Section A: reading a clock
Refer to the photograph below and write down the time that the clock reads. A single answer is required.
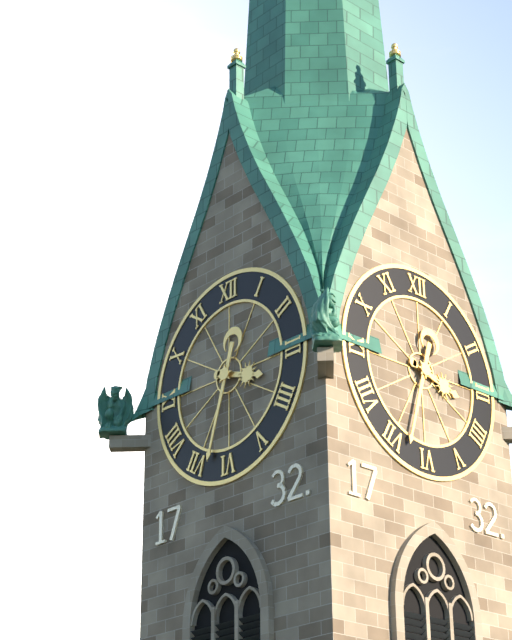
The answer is 3:33
